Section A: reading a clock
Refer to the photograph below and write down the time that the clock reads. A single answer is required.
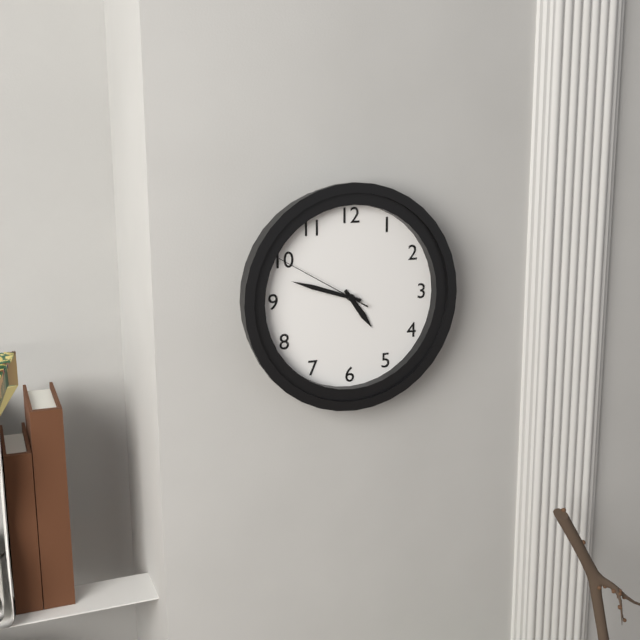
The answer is 4:48:50
